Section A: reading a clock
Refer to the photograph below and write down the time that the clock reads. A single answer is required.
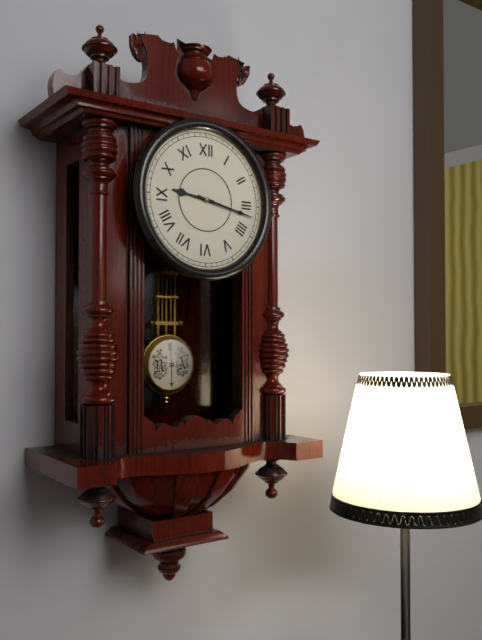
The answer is 9:17
